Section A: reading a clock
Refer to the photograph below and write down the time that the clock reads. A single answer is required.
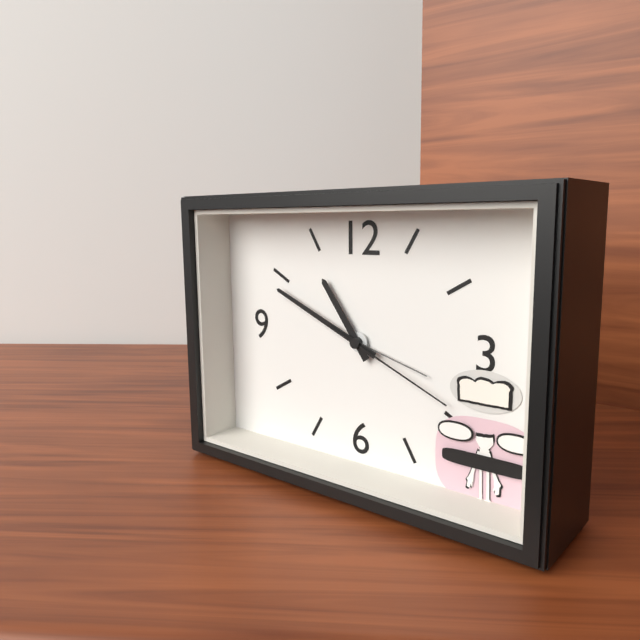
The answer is 10:49:19
